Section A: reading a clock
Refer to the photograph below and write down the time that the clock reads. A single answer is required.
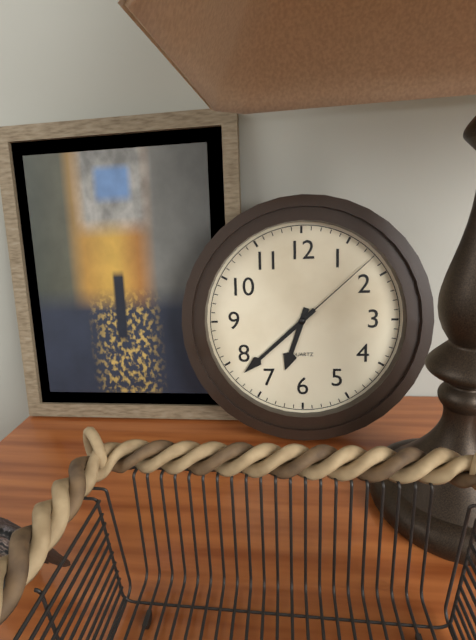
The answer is 6:38:08
